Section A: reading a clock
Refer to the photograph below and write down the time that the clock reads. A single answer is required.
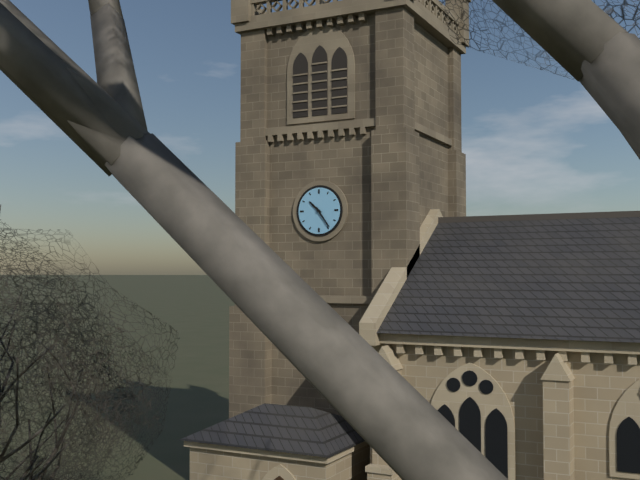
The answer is 10:24
